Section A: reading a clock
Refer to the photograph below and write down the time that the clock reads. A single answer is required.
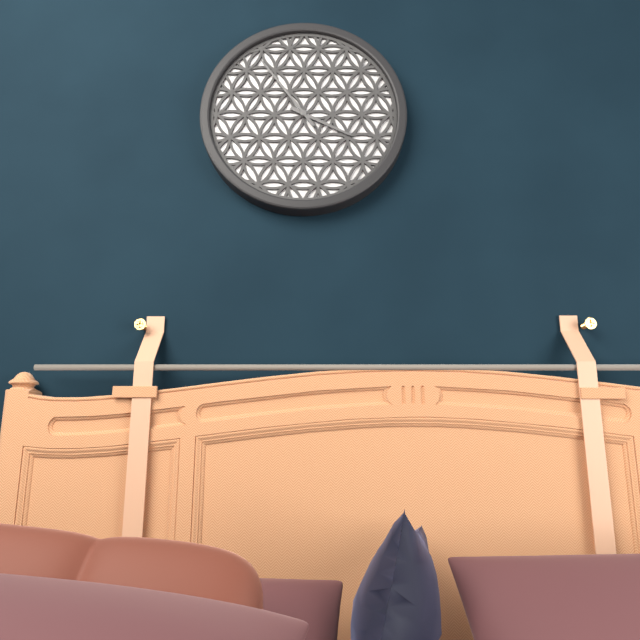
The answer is 3:54
